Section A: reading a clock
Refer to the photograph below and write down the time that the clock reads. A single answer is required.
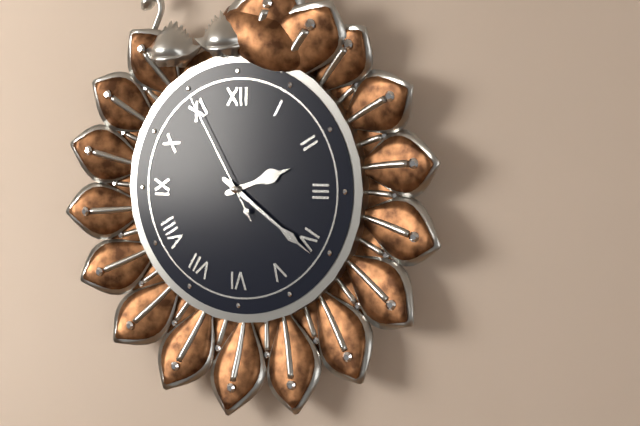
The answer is 2:21:55
